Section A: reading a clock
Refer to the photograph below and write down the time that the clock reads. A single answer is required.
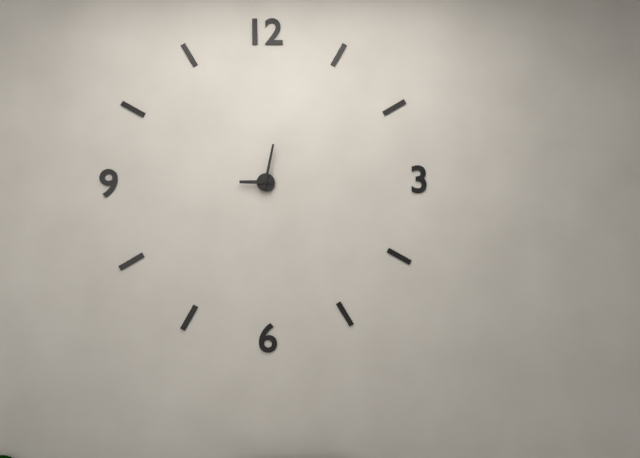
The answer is 9:02
